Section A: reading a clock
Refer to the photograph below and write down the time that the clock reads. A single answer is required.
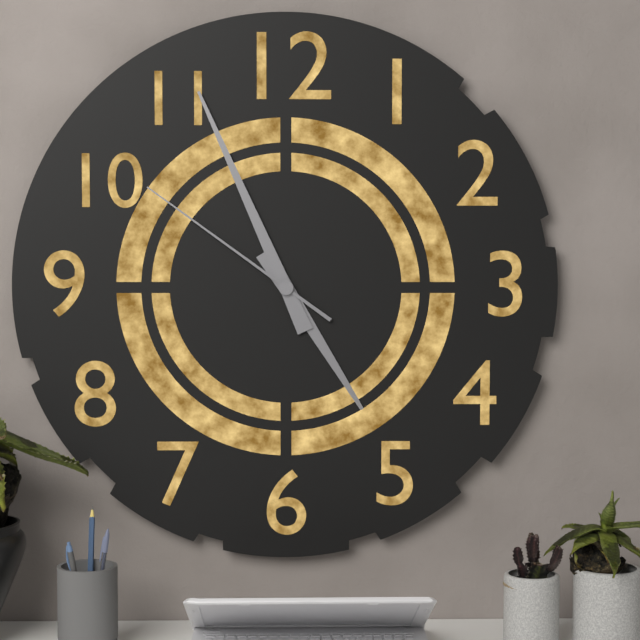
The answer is 4:56:51
